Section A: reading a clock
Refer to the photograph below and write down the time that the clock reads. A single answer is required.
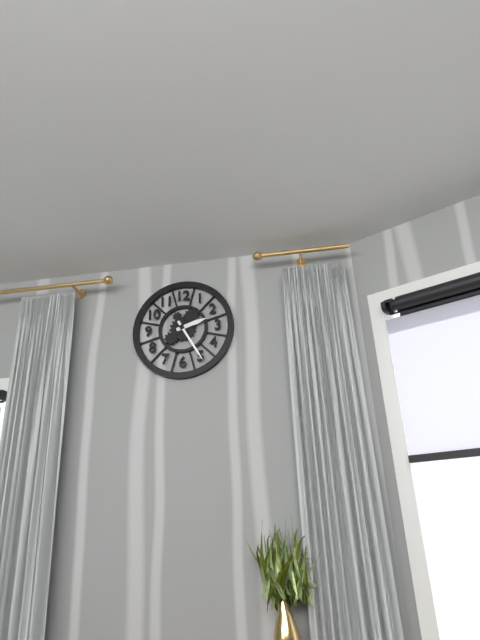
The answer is 2:25
